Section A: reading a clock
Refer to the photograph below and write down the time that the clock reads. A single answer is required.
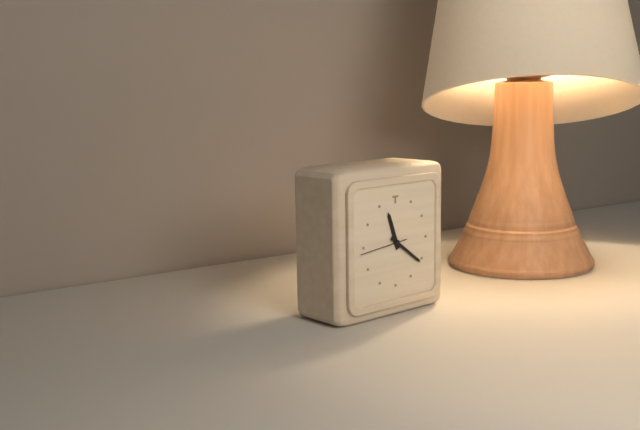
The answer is 11:21
